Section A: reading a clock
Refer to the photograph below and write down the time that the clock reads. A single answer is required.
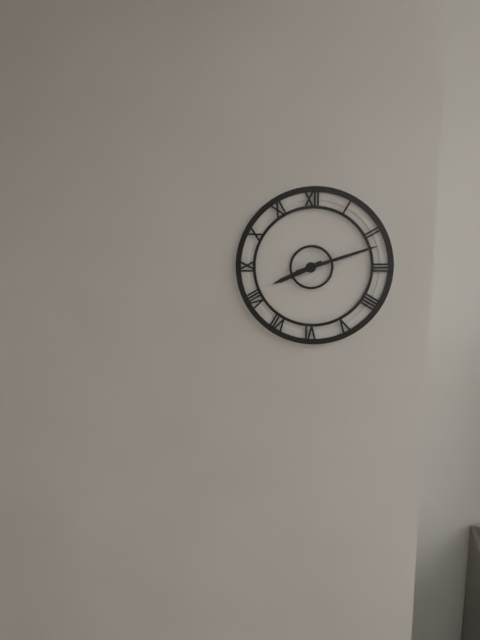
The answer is 8:12
